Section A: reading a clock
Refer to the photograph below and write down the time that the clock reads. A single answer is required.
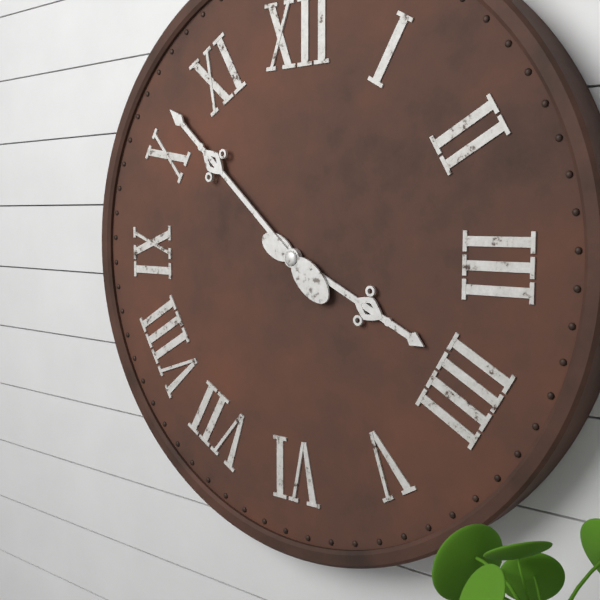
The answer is 3:52
